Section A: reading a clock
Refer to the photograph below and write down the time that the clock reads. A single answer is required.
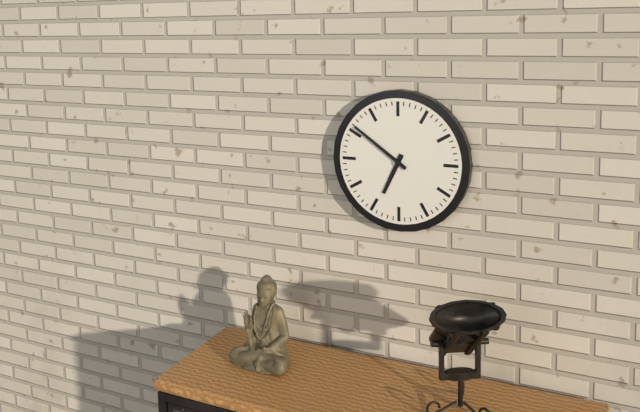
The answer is 6:51
